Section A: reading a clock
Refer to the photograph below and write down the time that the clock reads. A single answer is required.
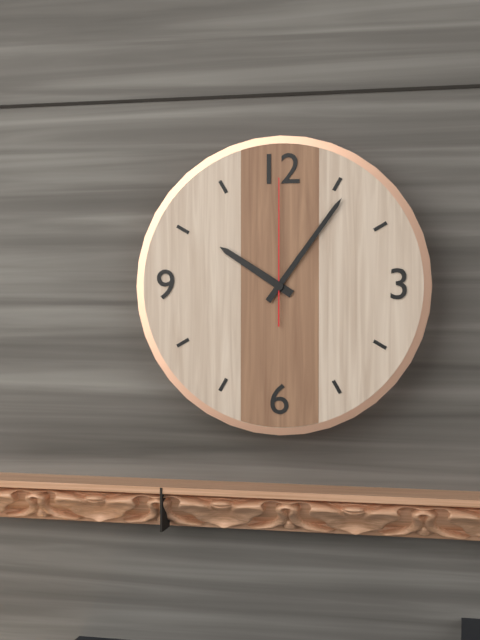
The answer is 10:06:00
